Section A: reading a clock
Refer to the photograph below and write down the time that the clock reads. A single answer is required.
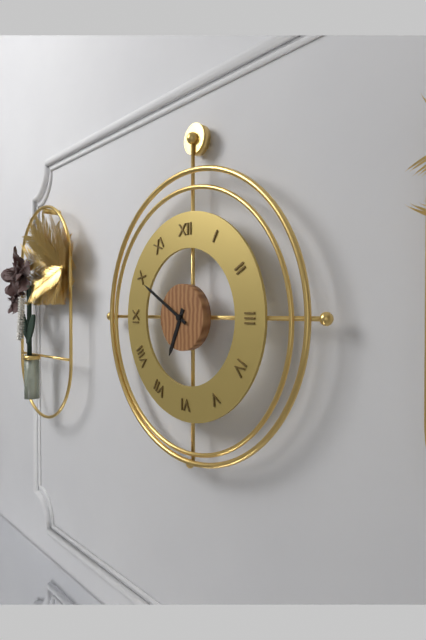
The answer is 6:50
